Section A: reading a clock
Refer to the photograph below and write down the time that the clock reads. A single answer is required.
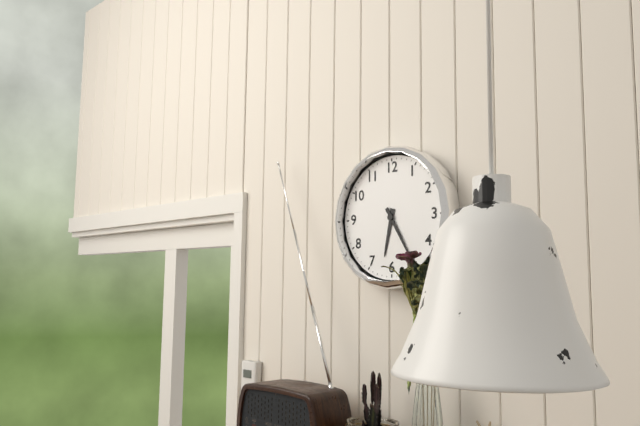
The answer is 6:25
